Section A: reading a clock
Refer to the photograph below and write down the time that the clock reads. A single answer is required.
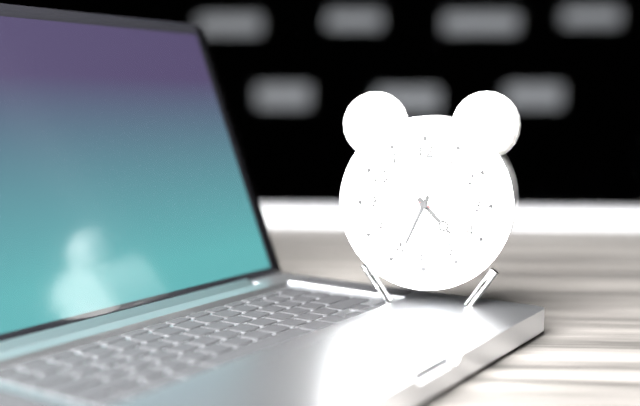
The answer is 4:34:48
